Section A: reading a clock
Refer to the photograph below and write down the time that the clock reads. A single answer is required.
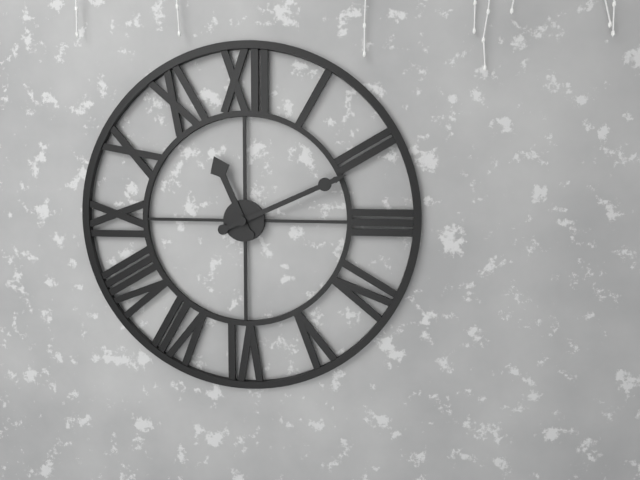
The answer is 11:11
